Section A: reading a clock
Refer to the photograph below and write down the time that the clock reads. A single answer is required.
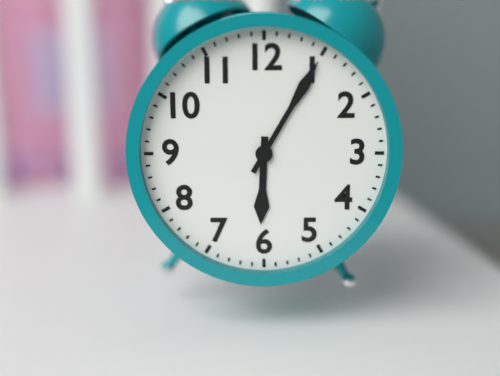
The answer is 6:05
